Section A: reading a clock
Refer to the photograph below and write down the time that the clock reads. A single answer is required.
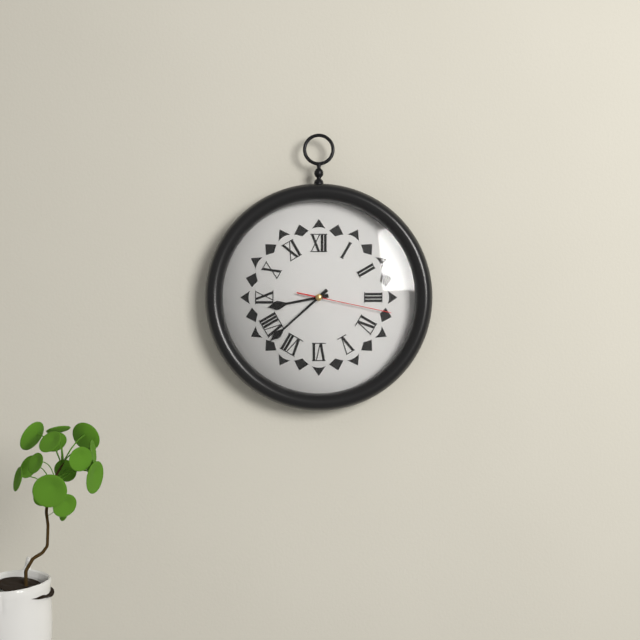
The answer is 8:38:17
